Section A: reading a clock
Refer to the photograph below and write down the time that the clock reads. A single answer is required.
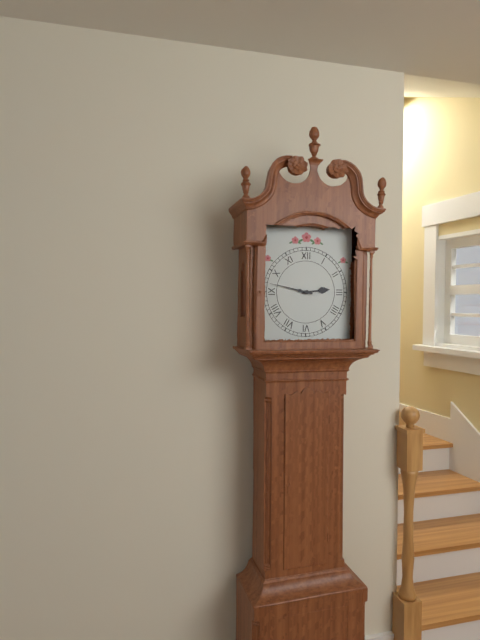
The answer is 2:47
